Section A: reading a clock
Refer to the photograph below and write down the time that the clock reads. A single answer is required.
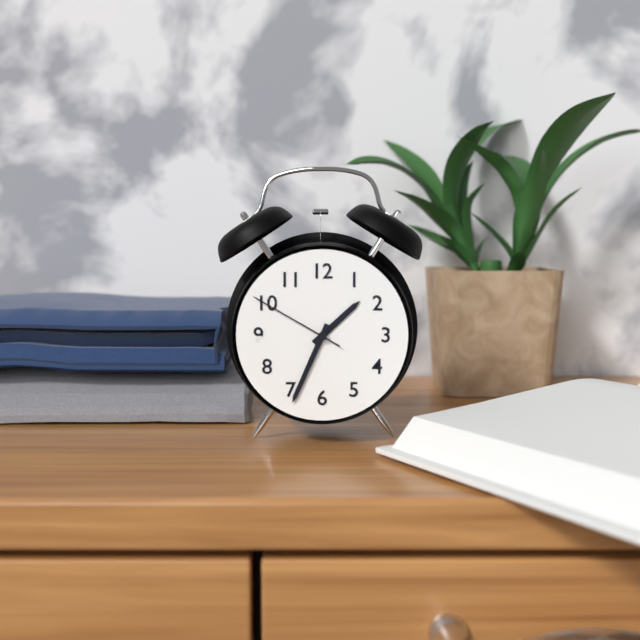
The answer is 1:34:50
